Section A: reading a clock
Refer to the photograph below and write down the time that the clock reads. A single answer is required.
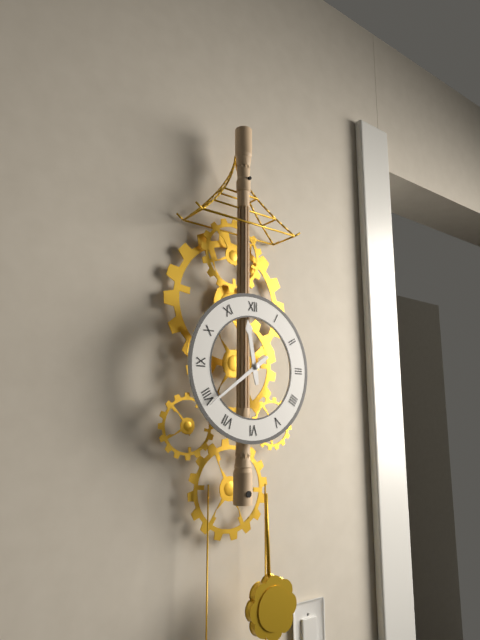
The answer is 11:39
